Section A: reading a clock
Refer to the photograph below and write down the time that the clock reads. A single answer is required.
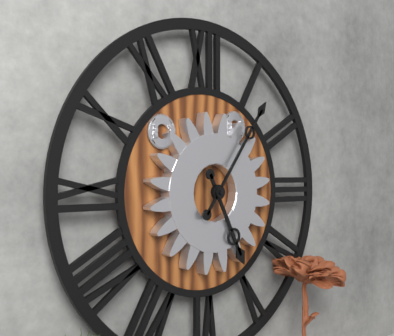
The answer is 5:06
